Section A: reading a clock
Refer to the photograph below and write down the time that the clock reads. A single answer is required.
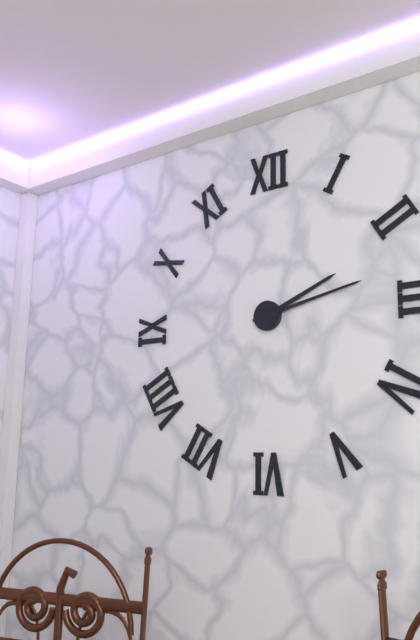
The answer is 2:13
